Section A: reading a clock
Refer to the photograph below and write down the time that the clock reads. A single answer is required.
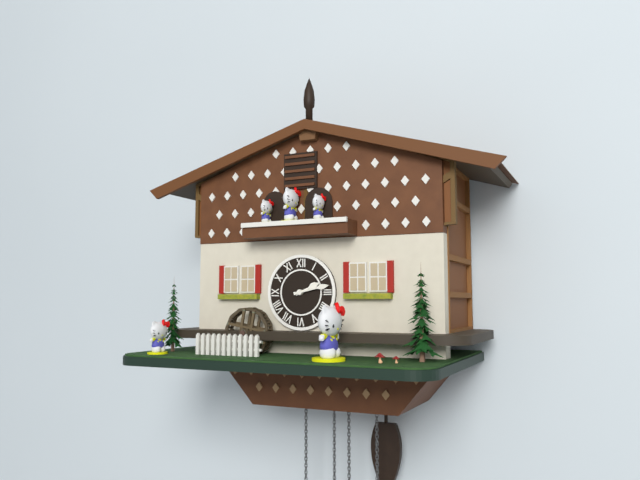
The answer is 2:13
